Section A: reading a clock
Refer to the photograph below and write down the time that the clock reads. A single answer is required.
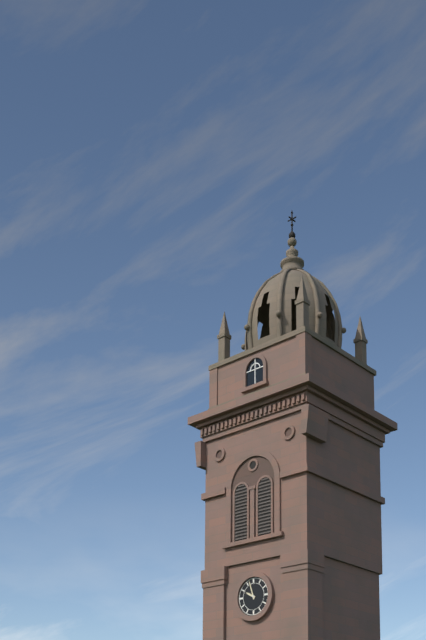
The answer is 9:57
